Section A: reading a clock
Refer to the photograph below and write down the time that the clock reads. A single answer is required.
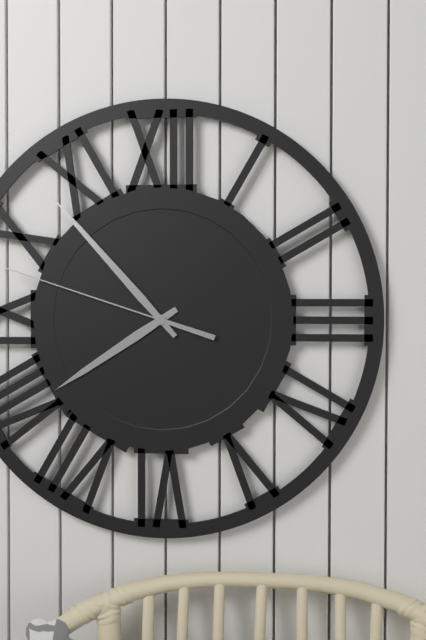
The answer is 7:53:48
